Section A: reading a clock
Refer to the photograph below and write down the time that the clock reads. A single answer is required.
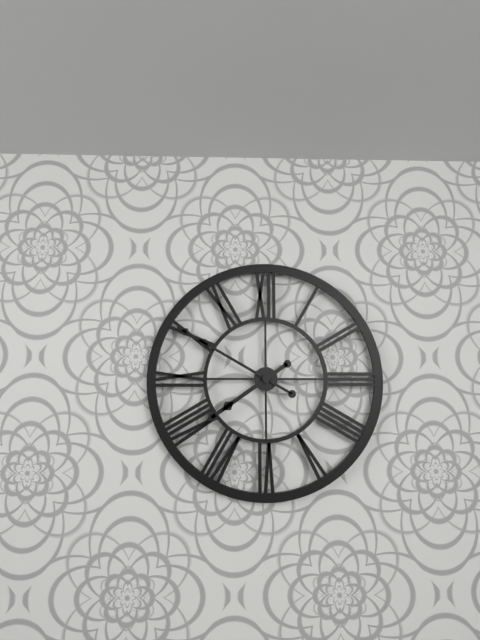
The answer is 7:50
